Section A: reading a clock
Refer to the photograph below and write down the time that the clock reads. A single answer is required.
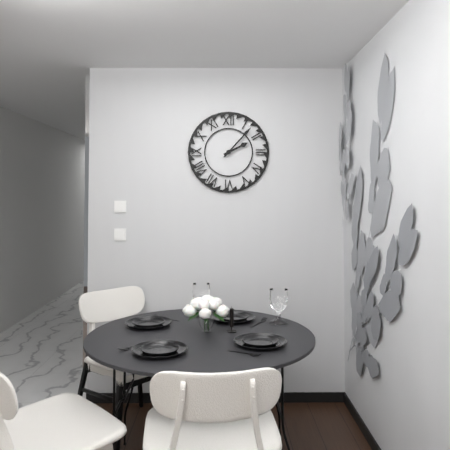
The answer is 2:07
